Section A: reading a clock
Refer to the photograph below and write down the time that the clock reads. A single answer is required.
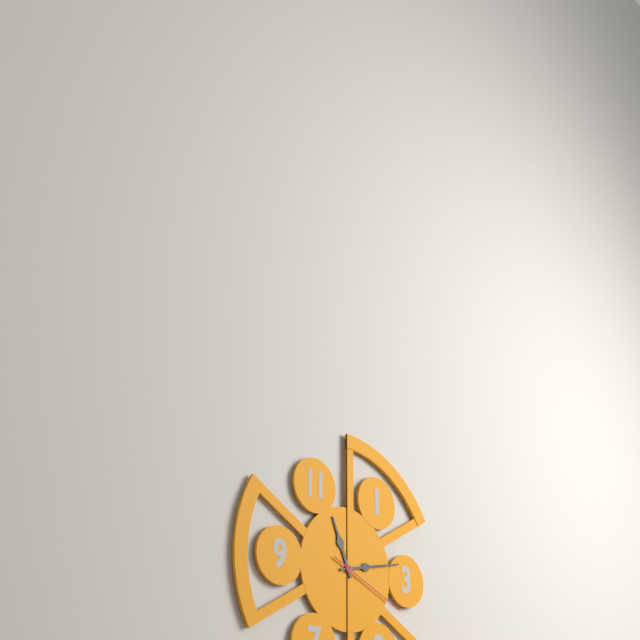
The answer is 11:13:19
